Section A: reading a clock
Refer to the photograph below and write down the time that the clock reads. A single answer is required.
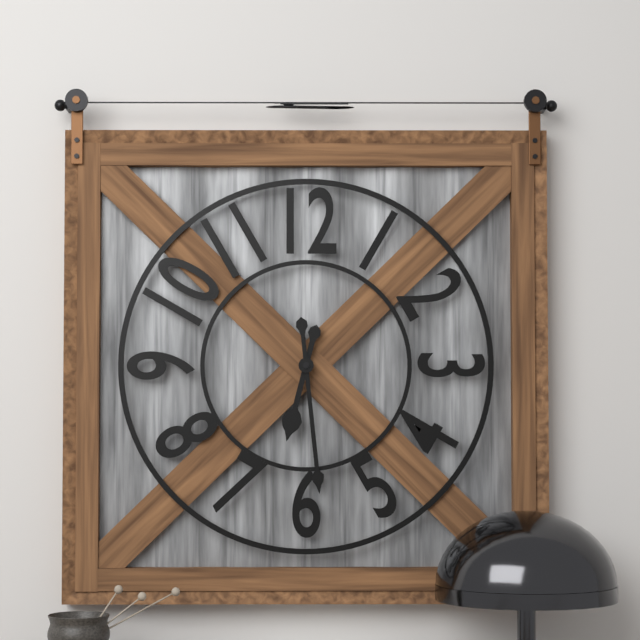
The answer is 6:29
